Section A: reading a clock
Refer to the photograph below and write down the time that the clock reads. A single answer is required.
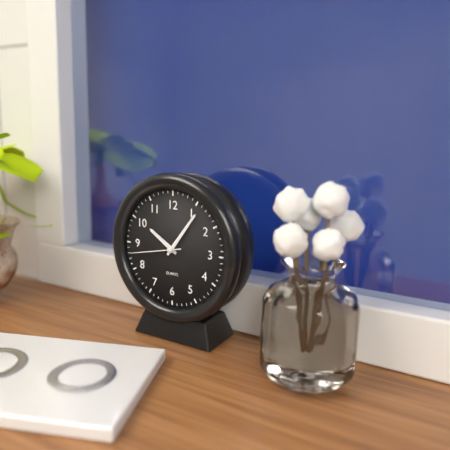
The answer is 10:06
